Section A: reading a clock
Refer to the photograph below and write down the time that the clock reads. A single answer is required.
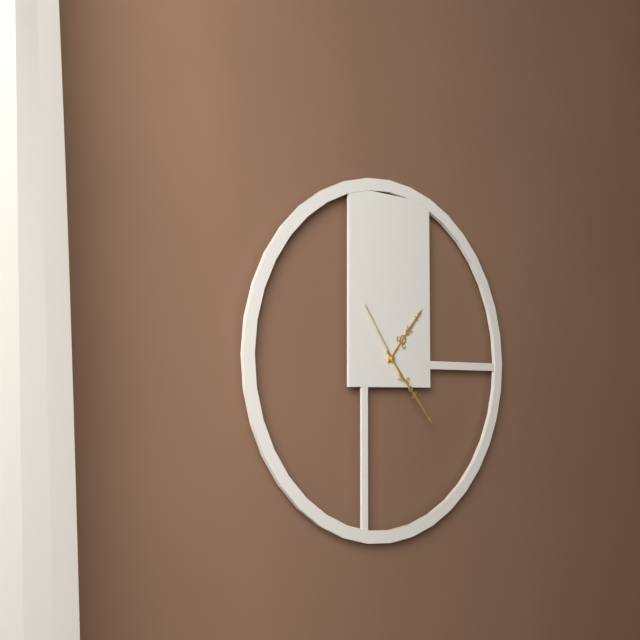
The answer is 1:23:54
